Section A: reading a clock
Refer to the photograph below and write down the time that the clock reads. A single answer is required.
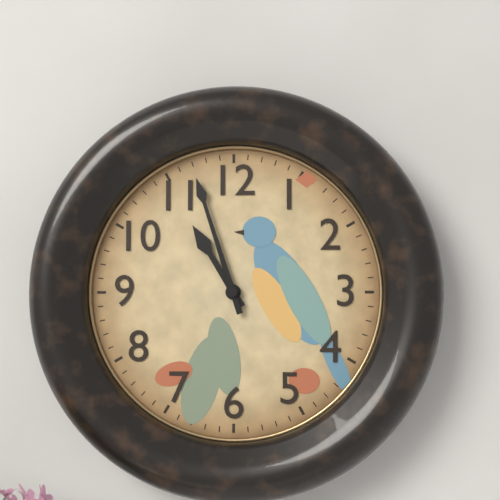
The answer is 10:57
